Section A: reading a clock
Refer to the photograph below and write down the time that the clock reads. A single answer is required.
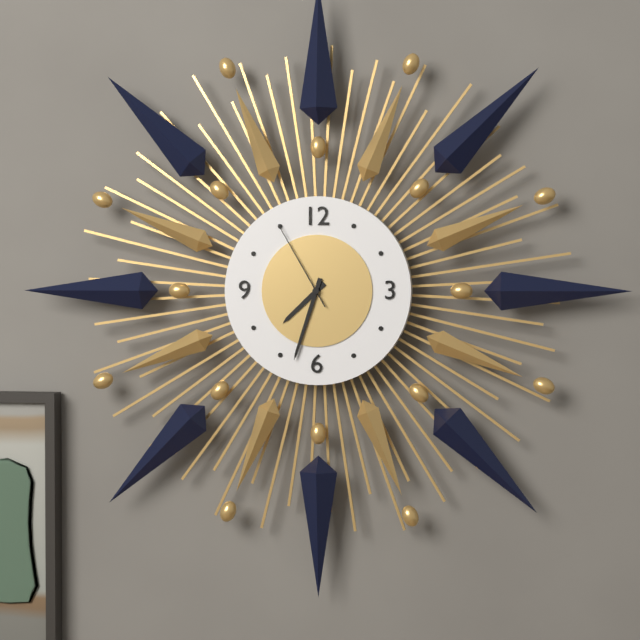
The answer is 7:33:55
